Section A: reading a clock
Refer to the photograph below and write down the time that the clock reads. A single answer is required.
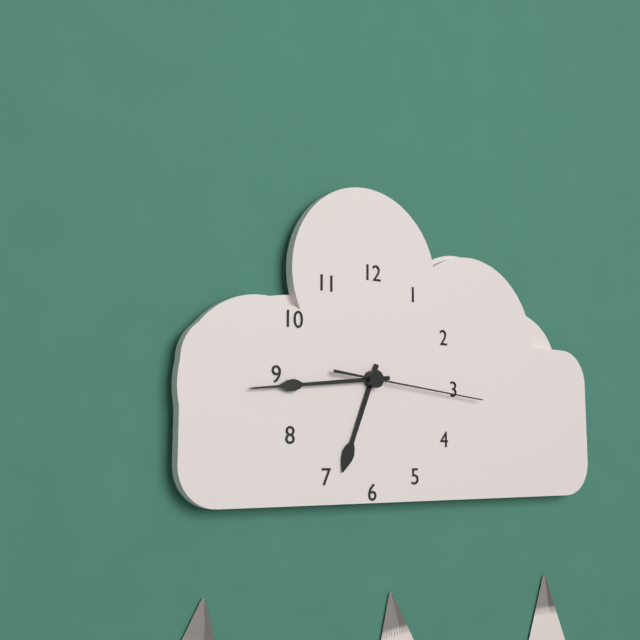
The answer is 6:44:16
